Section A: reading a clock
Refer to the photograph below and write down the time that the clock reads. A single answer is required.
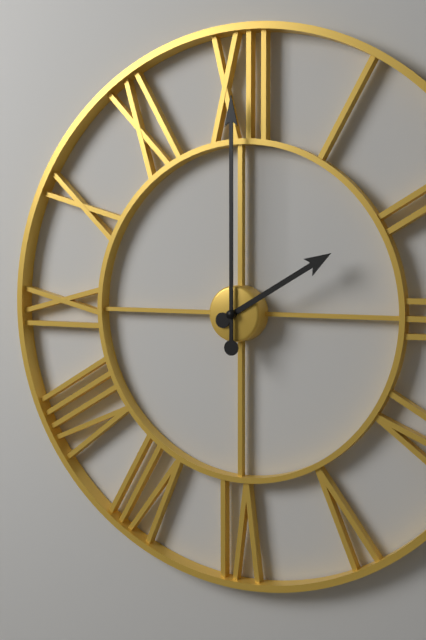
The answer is 2:00
